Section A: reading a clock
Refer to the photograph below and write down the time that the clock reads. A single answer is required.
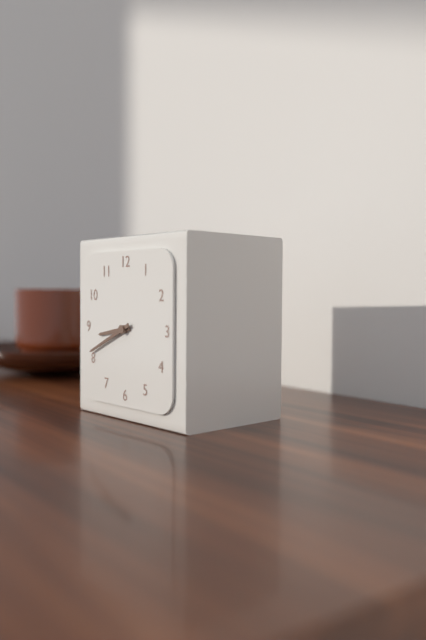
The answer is 8:41
